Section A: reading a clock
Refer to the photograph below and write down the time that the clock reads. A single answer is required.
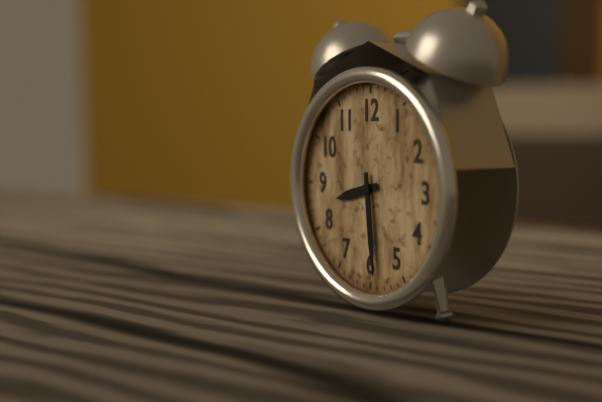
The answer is 8:29
